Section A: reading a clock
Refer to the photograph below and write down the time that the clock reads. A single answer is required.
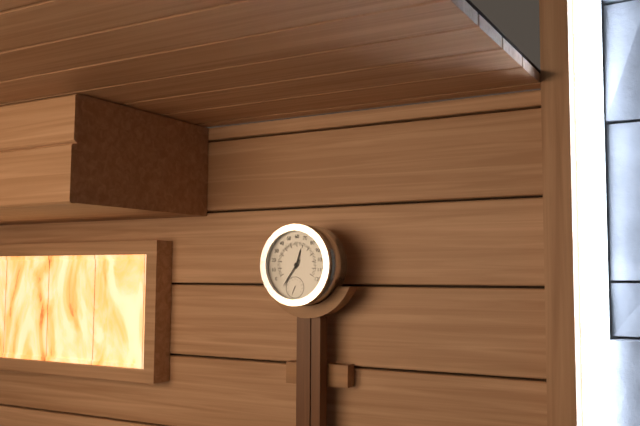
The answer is 12:36
